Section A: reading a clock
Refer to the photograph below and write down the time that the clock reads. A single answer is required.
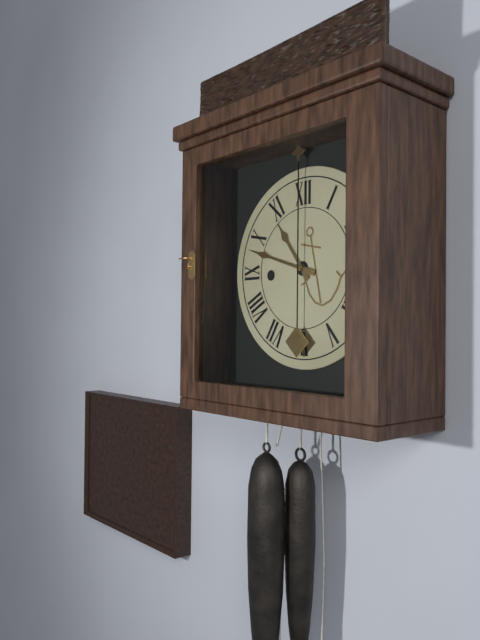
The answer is 10:48
